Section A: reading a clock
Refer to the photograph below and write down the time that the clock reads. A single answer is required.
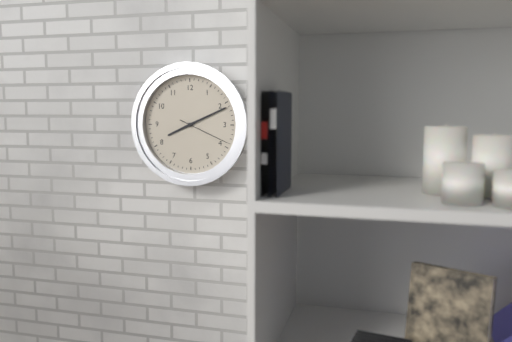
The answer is 8:11:19
